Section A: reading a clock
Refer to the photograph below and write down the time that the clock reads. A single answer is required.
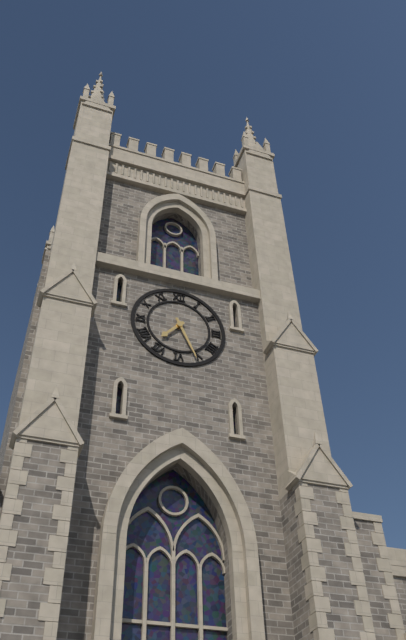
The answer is 7:26
